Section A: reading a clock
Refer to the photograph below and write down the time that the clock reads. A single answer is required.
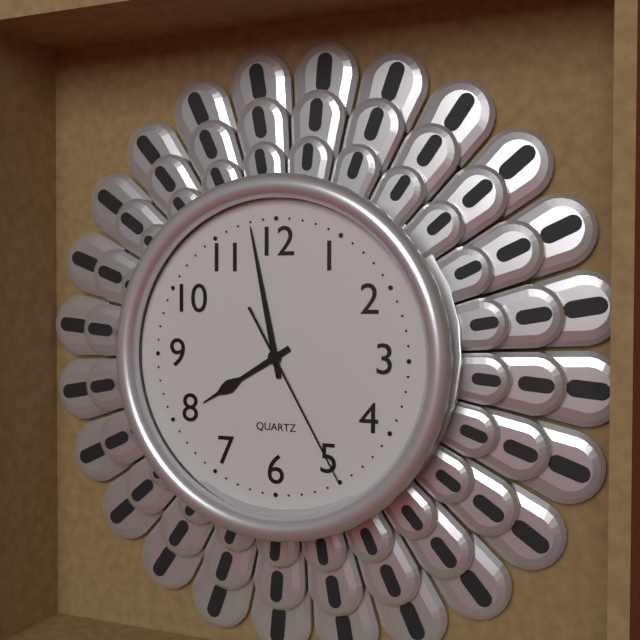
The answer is 7:58:25
